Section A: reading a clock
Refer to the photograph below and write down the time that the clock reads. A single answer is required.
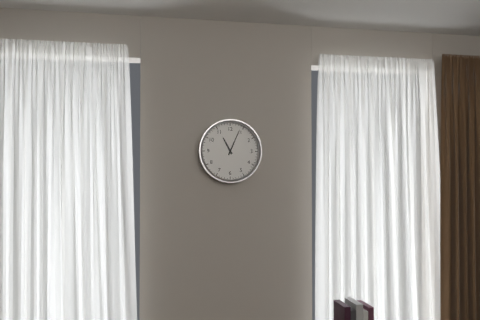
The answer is 11:04
